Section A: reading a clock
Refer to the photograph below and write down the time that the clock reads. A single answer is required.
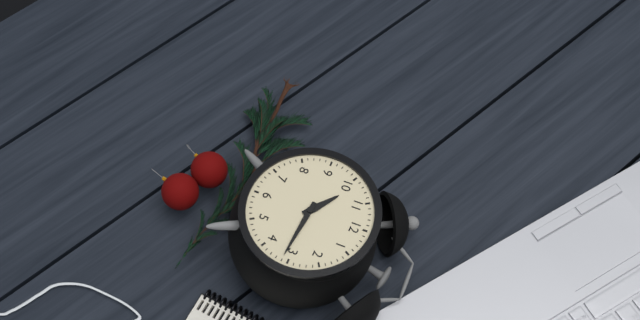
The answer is 10:16
